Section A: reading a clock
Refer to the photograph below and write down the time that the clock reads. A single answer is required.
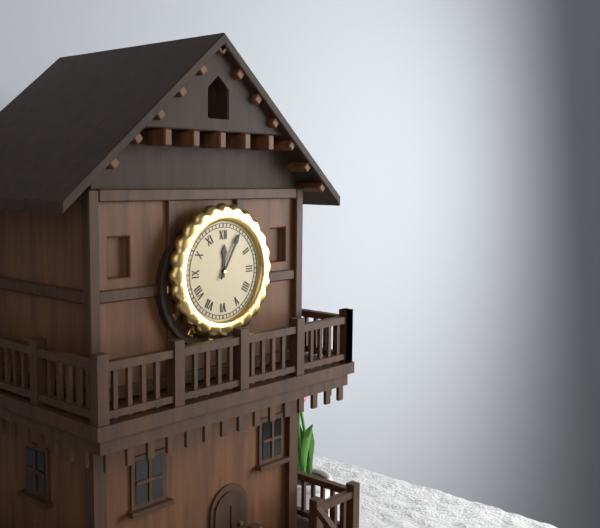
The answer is 12:05
